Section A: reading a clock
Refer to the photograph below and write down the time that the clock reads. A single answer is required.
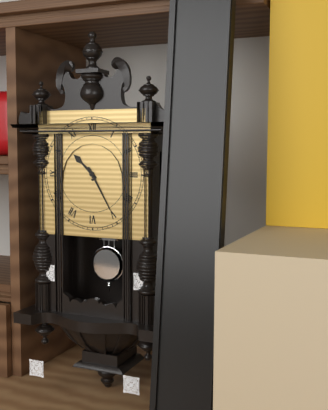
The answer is 10:25
